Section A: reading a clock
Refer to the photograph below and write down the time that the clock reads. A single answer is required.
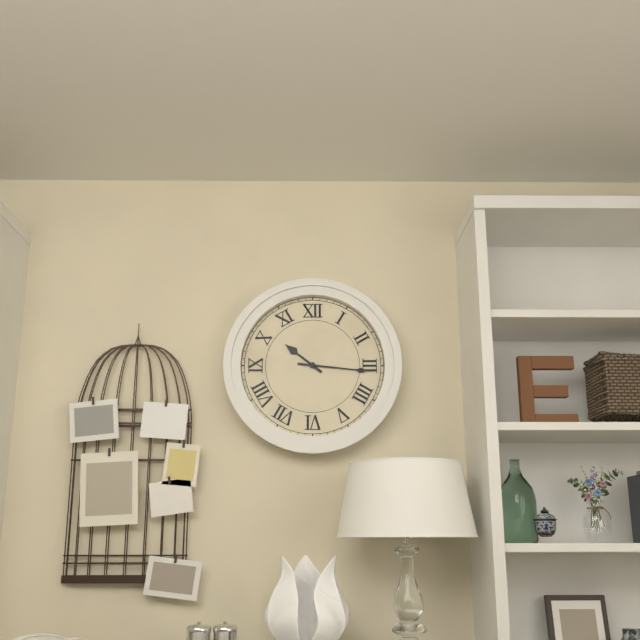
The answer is 10:16
